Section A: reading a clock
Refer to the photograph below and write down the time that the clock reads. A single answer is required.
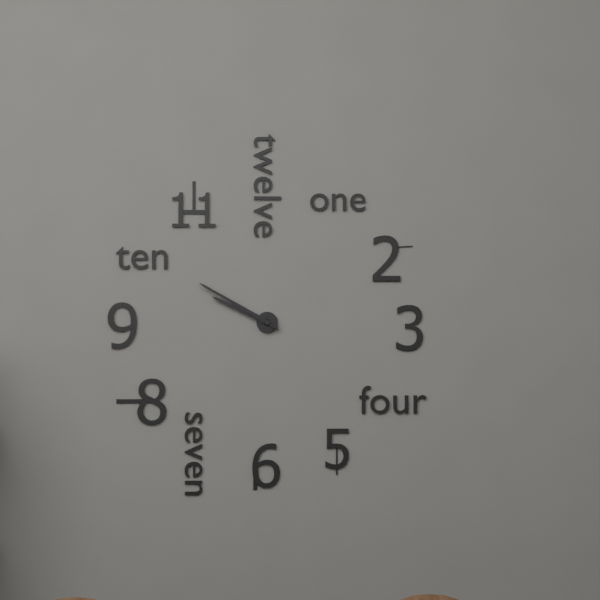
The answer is 9:50
